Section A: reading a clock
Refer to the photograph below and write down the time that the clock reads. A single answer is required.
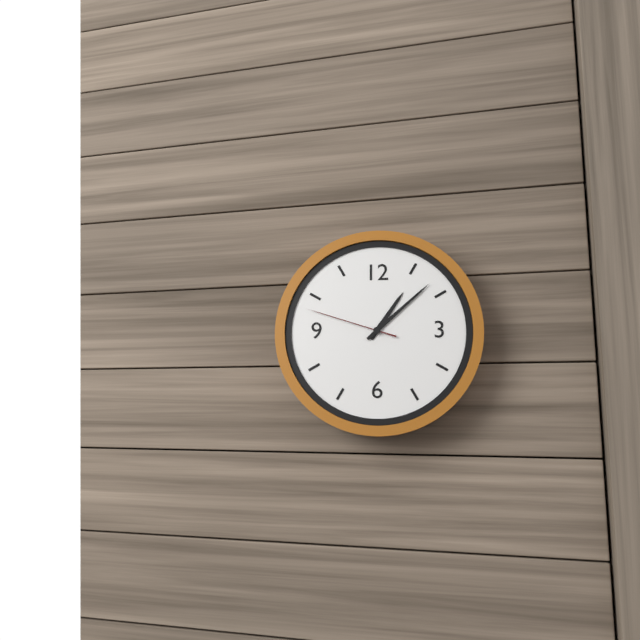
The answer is 1:08:48
